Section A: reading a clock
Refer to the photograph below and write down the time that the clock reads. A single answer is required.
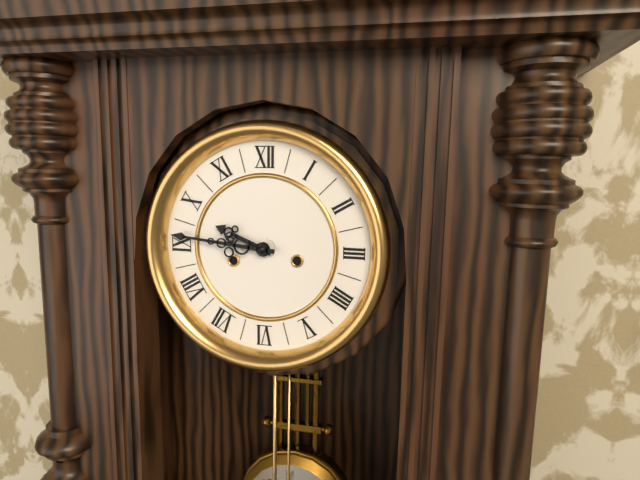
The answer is 9:46
